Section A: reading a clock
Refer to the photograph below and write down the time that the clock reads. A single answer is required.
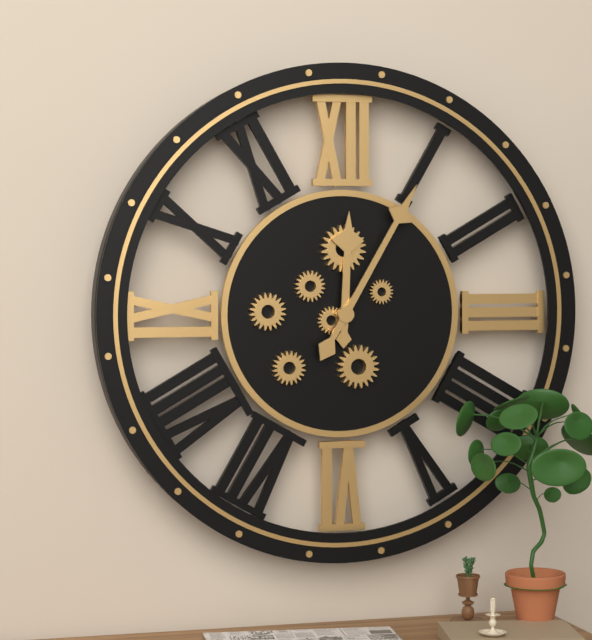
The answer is 12:05
